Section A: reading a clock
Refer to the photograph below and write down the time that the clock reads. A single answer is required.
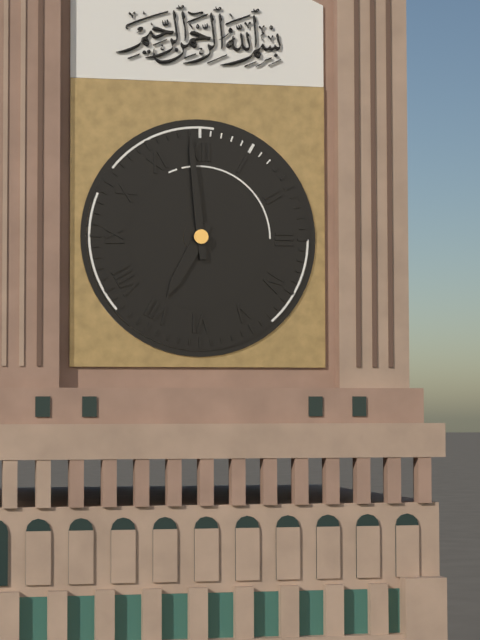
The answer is 6:59
